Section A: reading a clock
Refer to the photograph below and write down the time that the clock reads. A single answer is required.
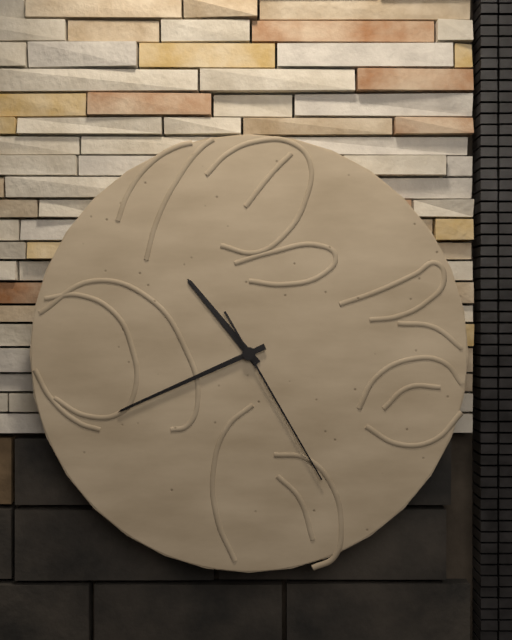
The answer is 10:41:25
